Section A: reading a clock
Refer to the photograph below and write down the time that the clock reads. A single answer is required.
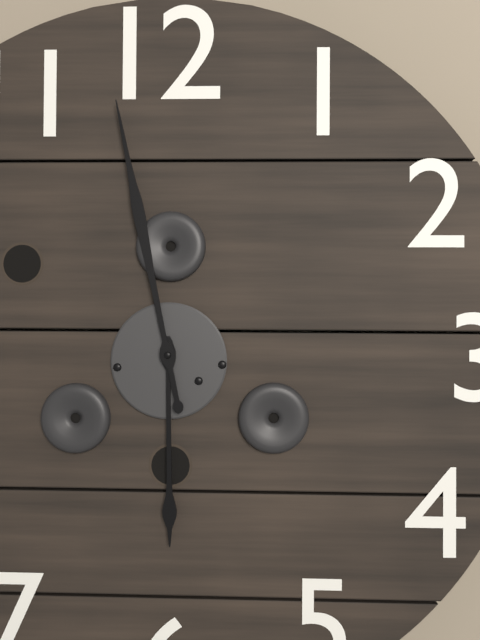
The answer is 5:58
